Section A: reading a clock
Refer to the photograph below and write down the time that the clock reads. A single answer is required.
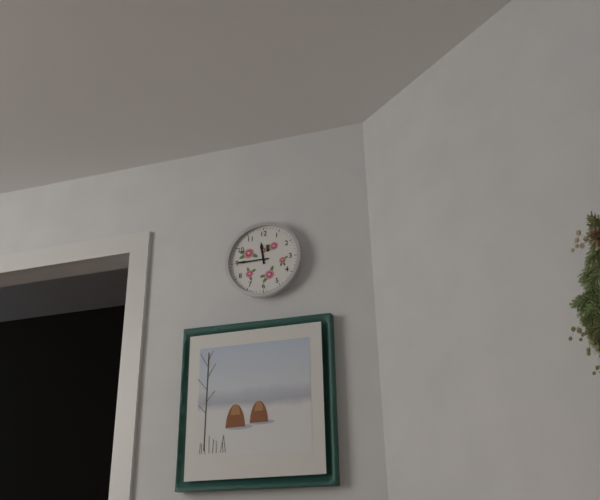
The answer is 11:45
